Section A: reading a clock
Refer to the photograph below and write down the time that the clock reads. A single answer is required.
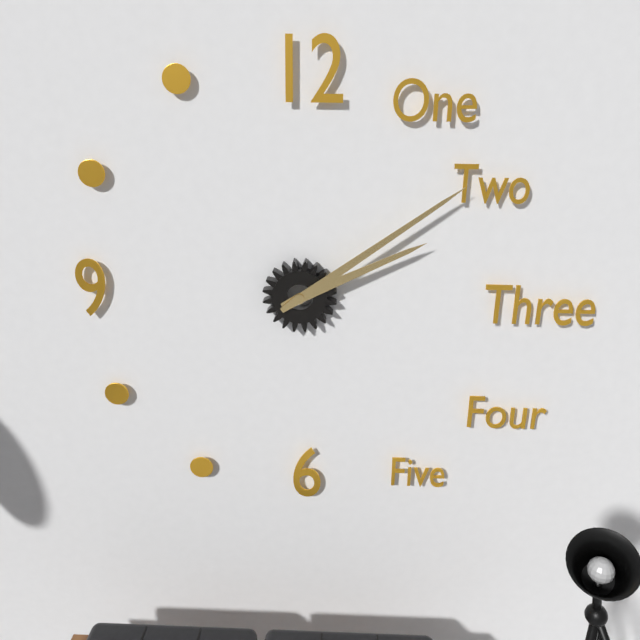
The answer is 2:09
